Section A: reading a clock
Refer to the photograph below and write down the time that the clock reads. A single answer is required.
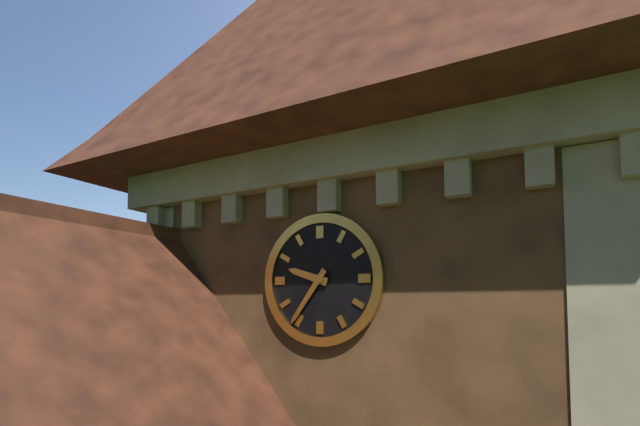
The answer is 9:36
